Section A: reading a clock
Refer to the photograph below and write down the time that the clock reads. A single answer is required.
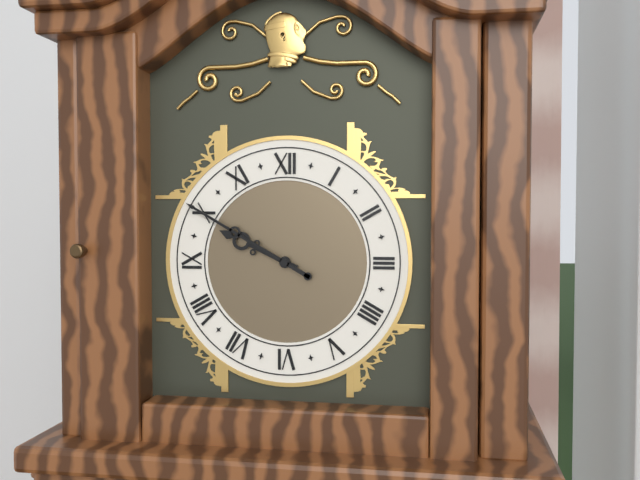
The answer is 9:50
